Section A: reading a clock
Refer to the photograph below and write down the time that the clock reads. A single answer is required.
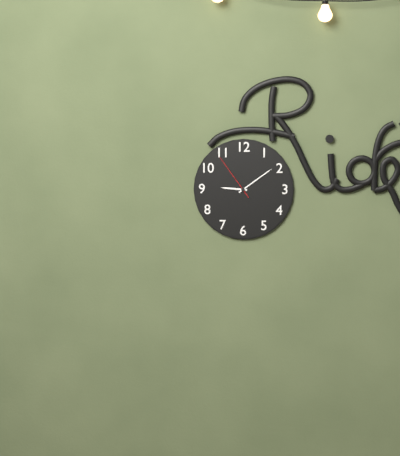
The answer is 9:09
